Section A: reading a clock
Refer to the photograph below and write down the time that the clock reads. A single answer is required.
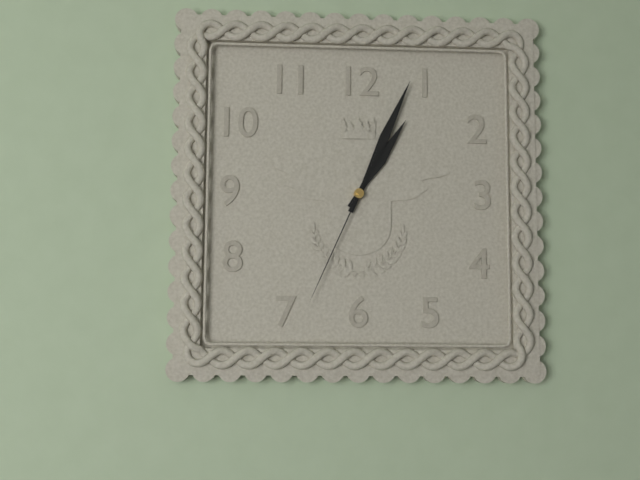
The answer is 1:04:34
